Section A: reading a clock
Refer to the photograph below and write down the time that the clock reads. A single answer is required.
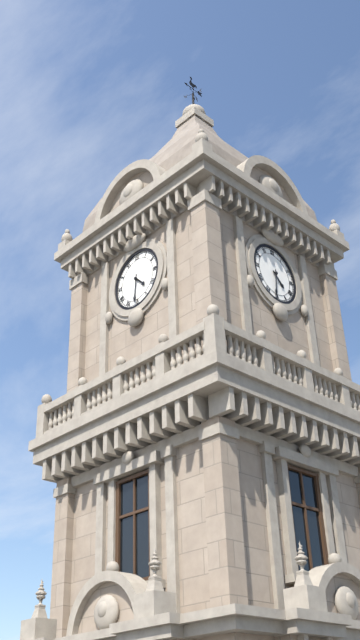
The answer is 4:31
